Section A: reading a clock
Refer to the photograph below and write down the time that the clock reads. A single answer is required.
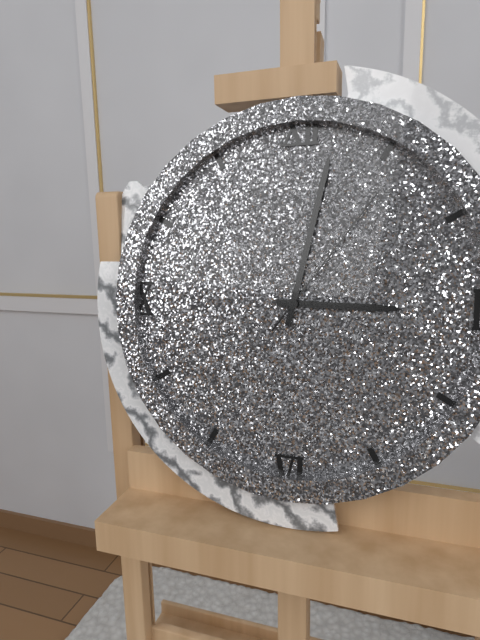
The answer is 3:02:06
